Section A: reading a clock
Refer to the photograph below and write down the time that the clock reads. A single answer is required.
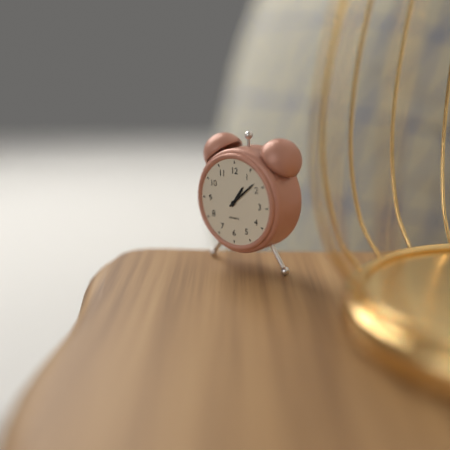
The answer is 1:08
